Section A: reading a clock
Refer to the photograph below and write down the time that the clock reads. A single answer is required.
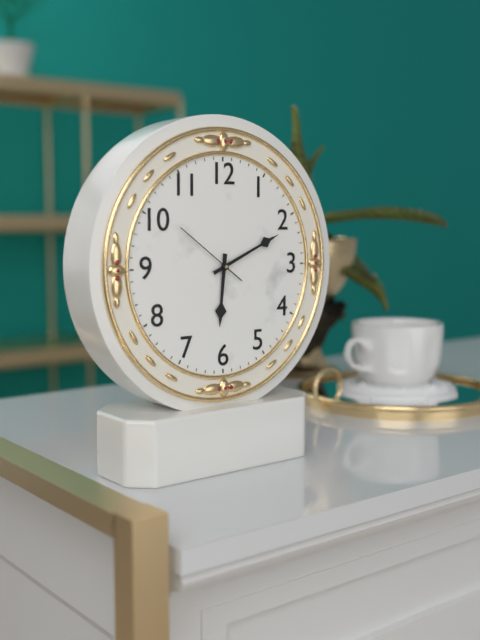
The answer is 6:11:51
